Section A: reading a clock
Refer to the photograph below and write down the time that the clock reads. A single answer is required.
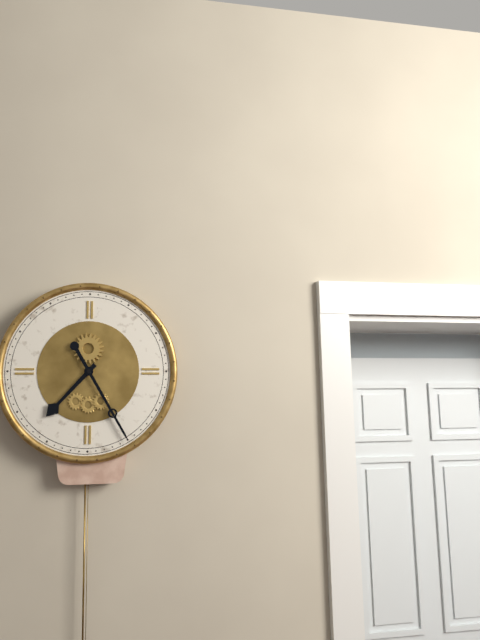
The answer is 7:25
